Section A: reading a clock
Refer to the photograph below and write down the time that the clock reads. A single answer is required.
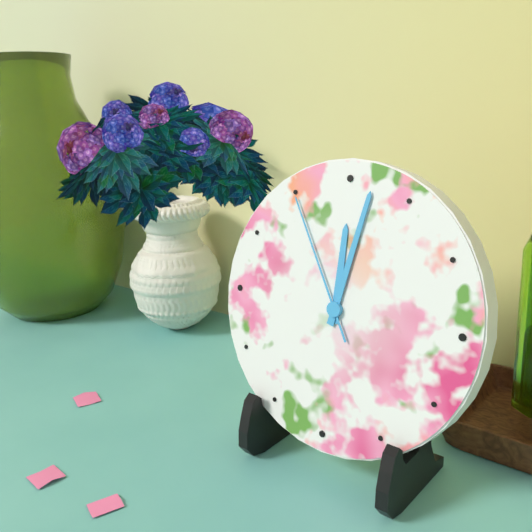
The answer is 12:02:55
